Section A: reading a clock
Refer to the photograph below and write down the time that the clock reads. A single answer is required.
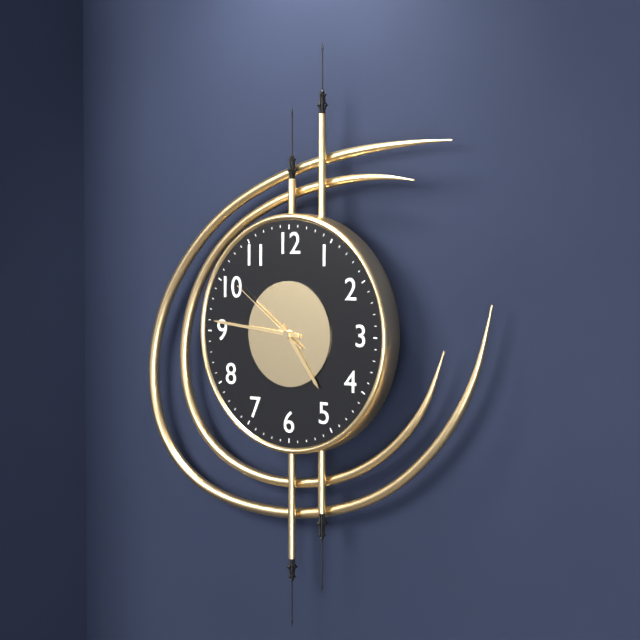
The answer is 4:46:51
